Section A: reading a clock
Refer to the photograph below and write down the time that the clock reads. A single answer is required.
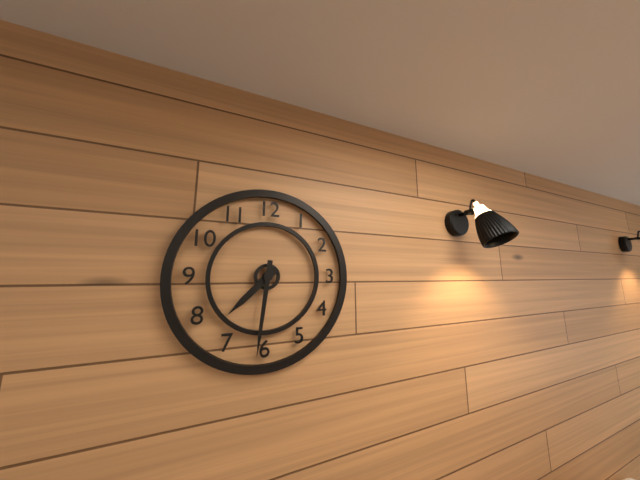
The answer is 7:31
